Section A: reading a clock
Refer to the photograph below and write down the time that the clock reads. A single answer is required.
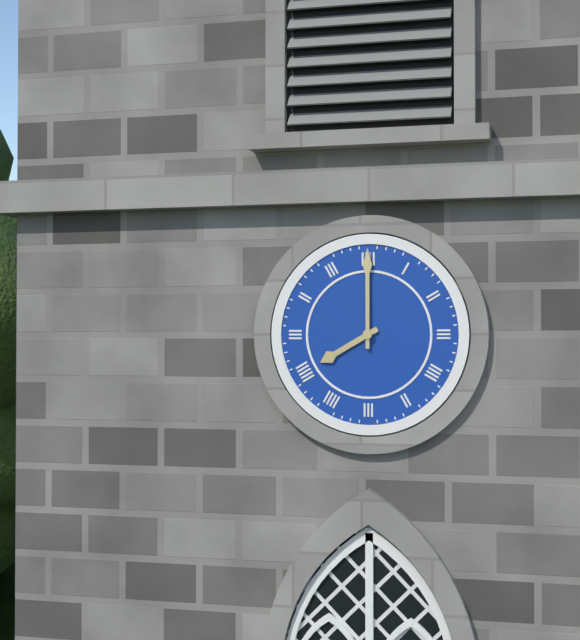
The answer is 8:00
